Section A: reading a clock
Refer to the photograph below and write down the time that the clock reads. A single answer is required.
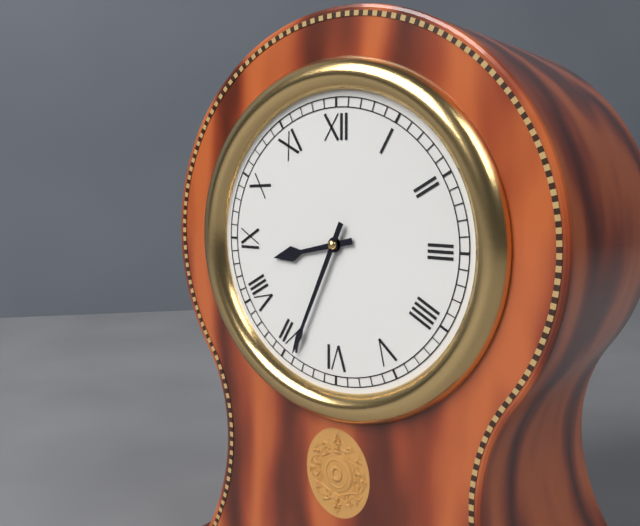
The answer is 8:34
